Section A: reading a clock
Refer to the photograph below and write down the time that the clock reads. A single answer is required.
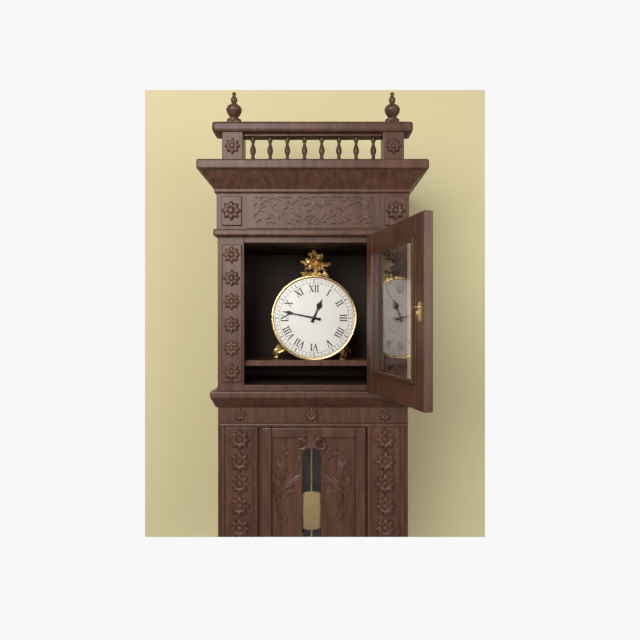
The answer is 12:47
